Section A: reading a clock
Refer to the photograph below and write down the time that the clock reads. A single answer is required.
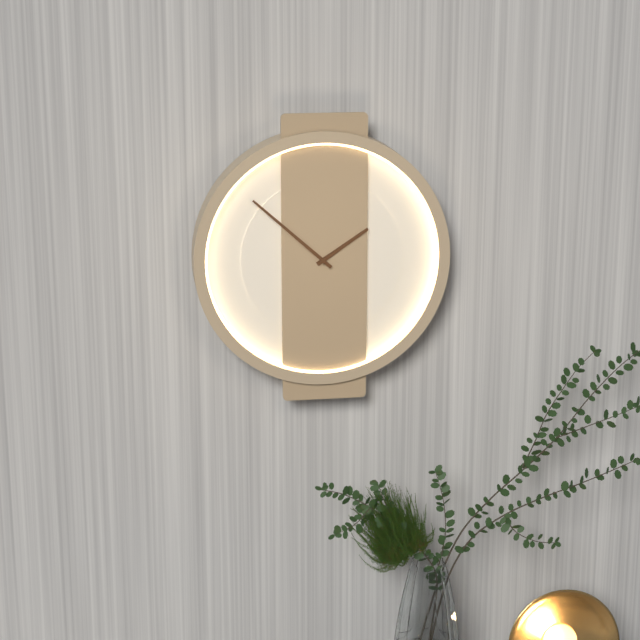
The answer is 1:52
